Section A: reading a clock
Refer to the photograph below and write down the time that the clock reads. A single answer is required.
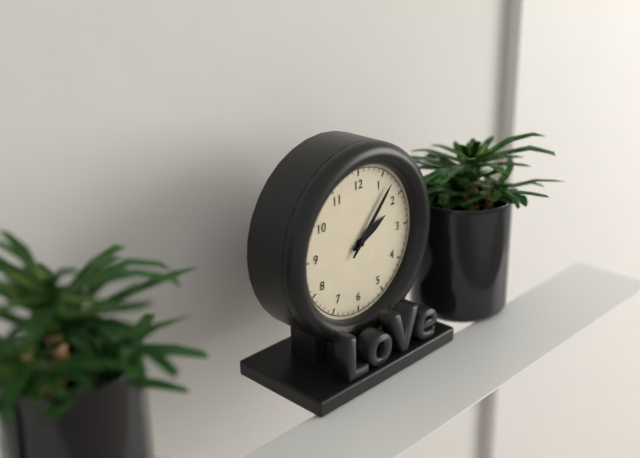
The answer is 2:07
